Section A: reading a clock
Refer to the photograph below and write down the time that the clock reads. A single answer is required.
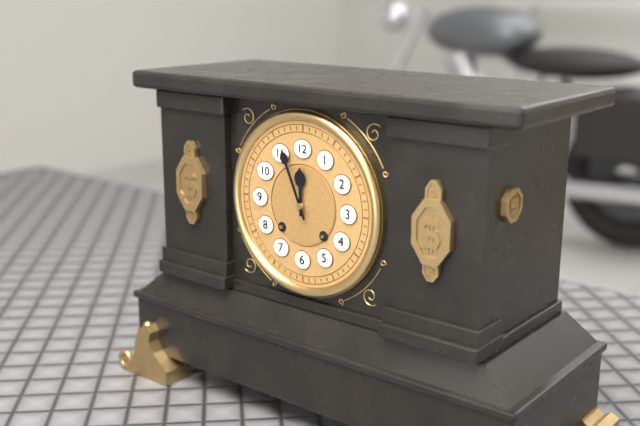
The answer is 11:56
